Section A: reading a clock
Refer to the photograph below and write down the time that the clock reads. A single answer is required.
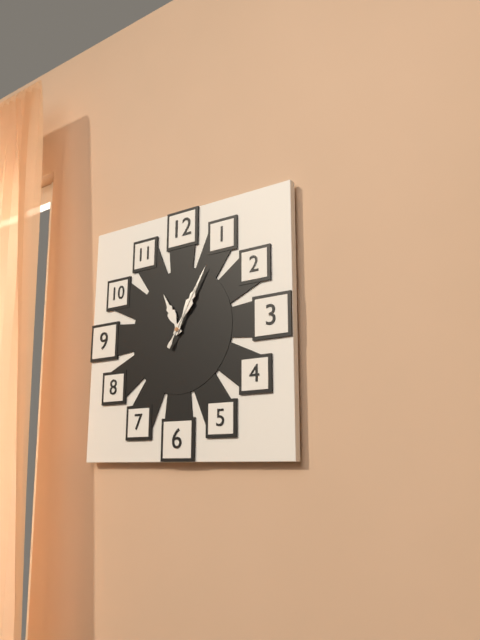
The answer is 11:05:05
